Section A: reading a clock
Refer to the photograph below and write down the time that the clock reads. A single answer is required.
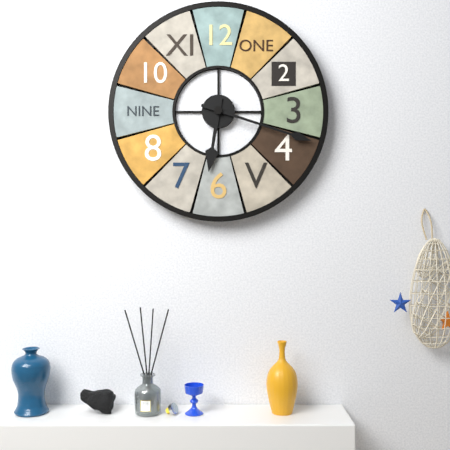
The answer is 6:18
